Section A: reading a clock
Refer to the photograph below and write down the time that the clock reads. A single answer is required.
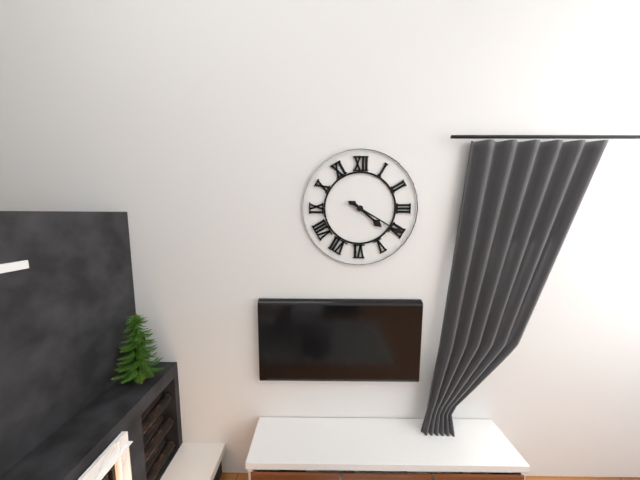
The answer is 4:20
